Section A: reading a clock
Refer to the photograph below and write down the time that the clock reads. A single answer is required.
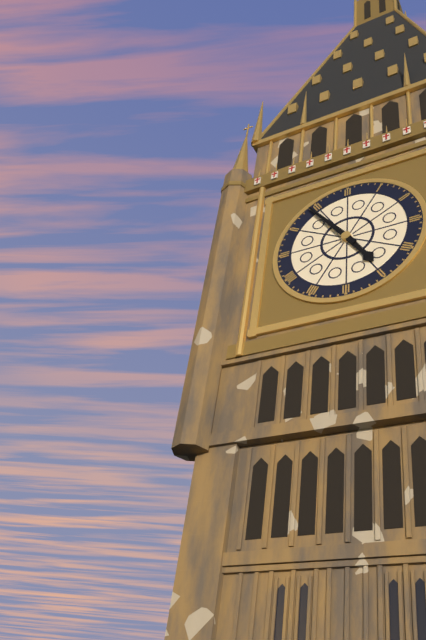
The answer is 4:54
